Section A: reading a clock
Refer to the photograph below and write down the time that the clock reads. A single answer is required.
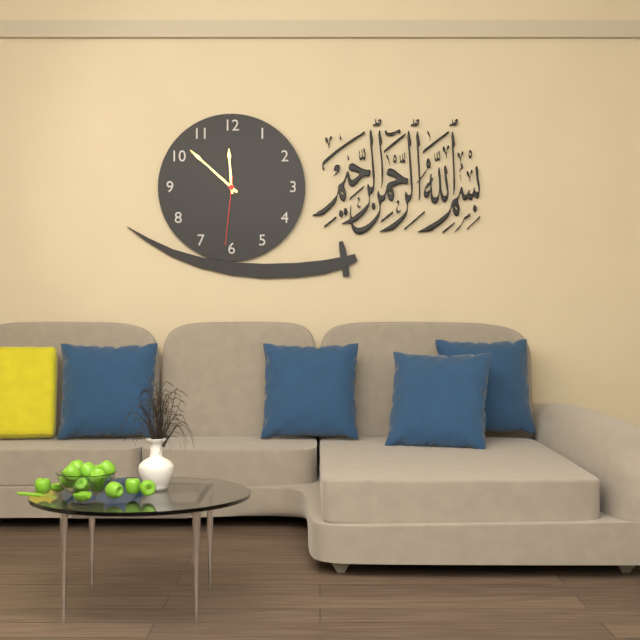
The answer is 11:52:31
